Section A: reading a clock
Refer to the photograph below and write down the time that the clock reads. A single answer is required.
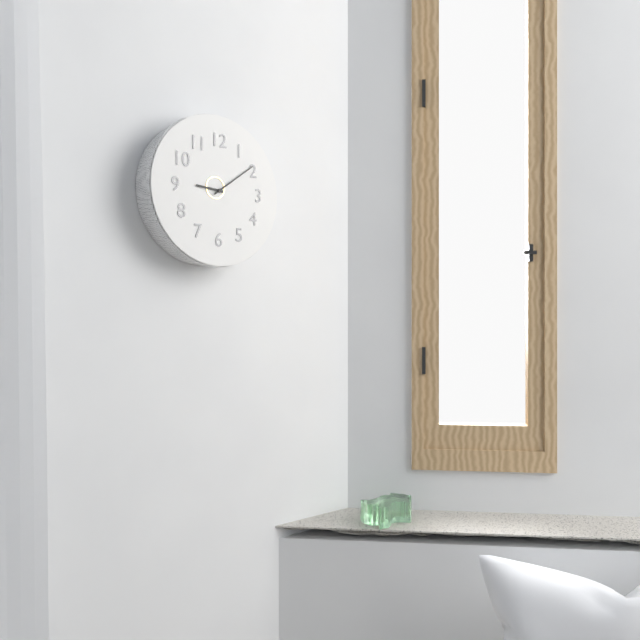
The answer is 9:09
